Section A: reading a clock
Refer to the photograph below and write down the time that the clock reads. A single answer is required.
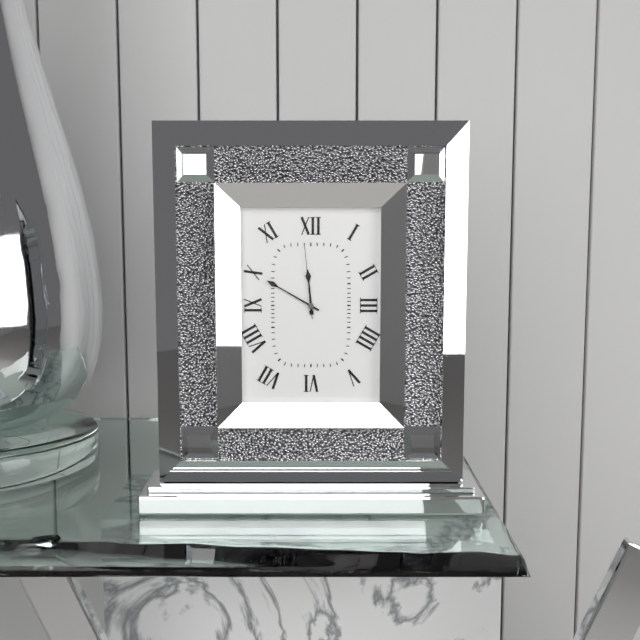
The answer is 11:50:59
